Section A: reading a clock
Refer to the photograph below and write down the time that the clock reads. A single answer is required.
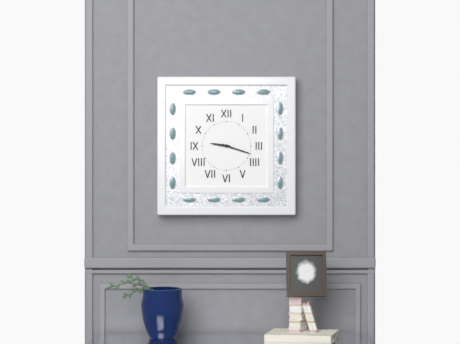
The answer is 9:18
